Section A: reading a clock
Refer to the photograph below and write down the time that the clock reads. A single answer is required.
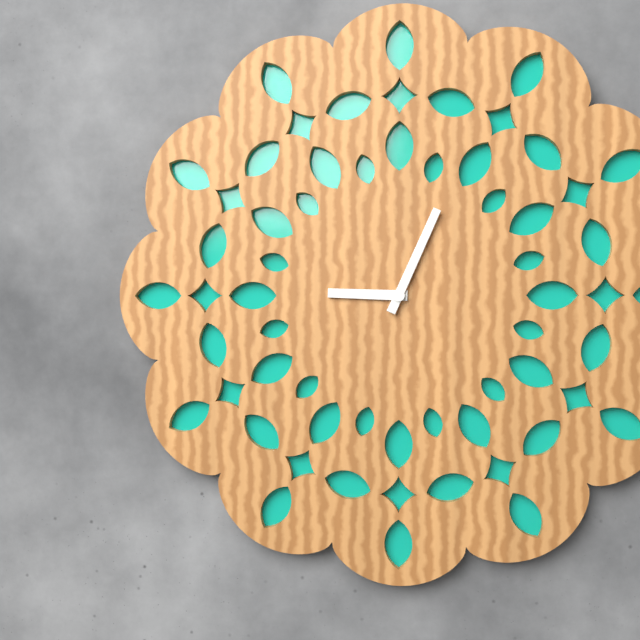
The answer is 9:04
